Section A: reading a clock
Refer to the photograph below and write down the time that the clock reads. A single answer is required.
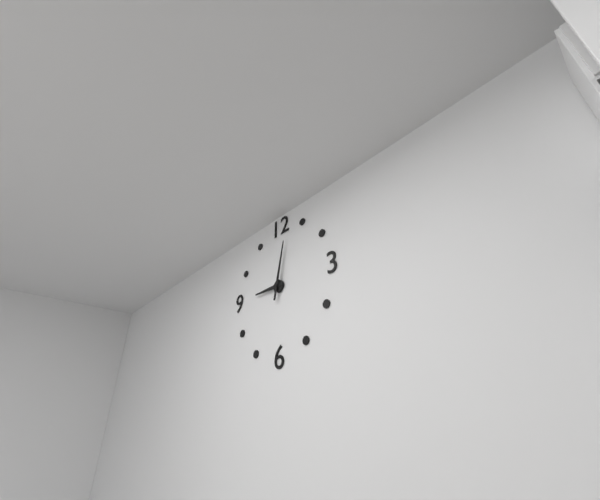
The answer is 9:02
